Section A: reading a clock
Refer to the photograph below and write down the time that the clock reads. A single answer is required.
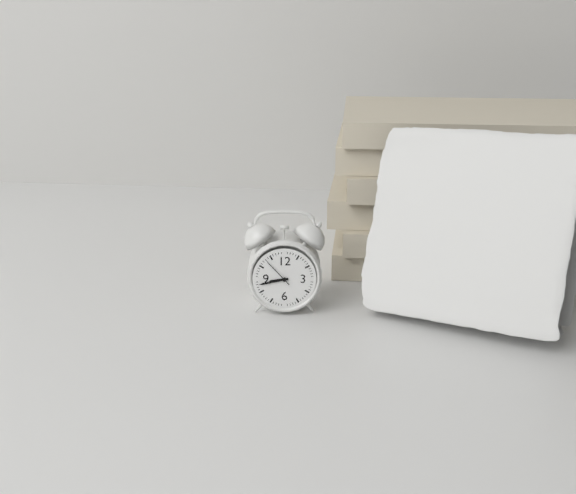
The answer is 8:43
